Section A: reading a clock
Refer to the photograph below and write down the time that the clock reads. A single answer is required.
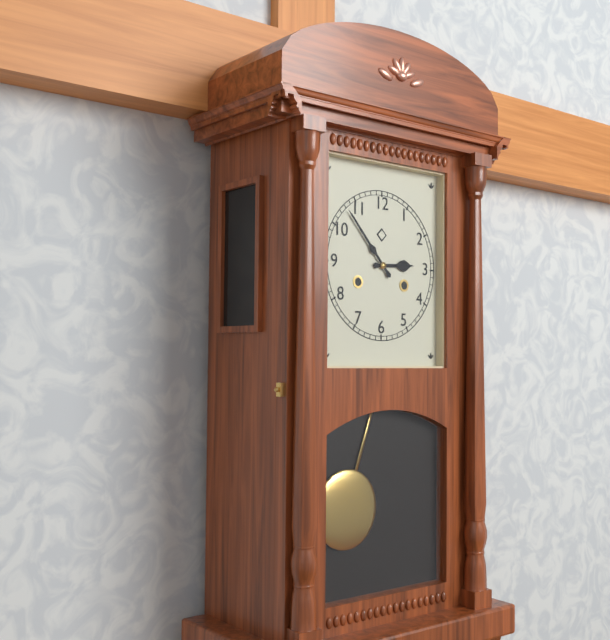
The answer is 2:53
